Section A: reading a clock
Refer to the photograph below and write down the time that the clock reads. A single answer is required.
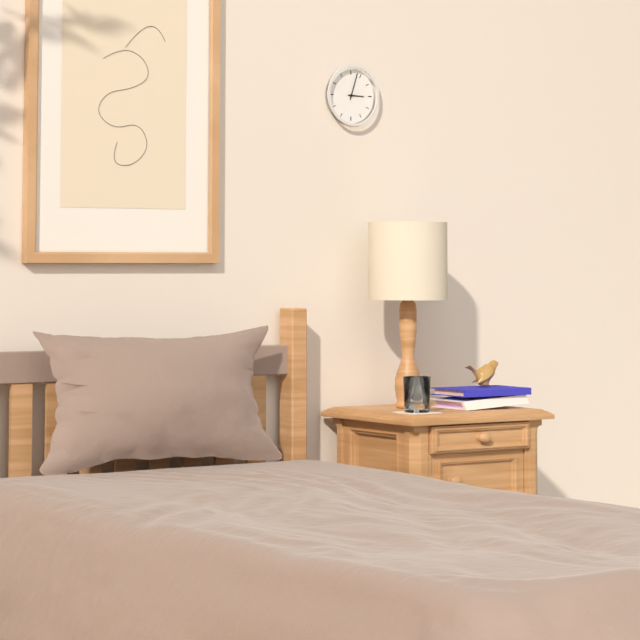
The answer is 3:03
